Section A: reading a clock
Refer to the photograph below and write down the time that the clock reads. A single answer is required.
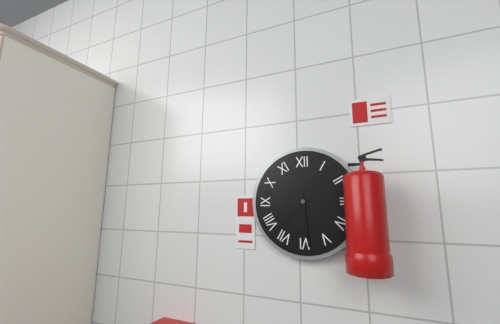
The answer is 7:29
